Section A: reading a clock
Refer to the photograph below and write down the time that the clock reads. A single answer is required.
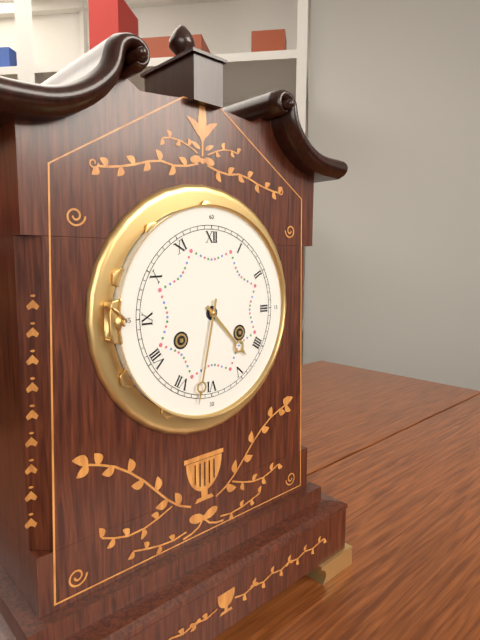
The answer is 4:32
